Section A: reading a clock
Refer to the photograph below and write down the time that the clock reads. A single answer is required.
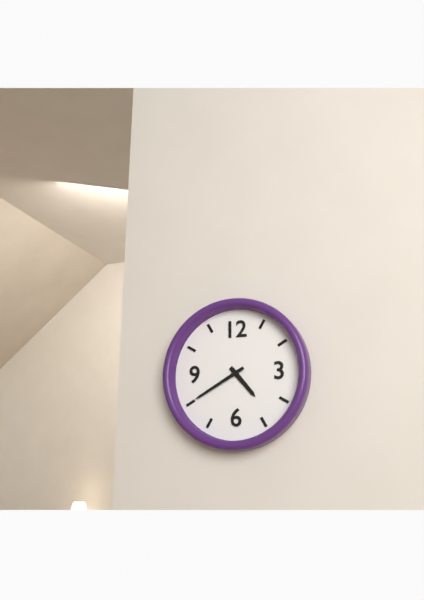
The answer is 4:40
